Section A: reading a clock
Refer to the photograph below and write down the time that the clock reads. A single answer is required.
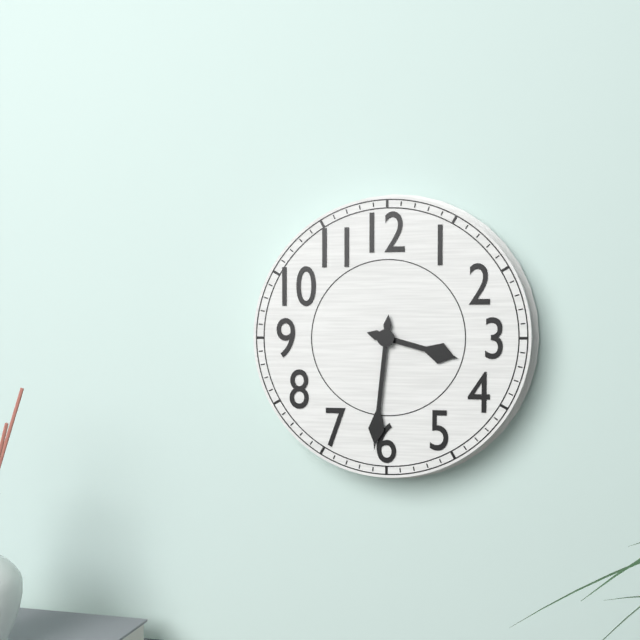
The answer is 3:31
